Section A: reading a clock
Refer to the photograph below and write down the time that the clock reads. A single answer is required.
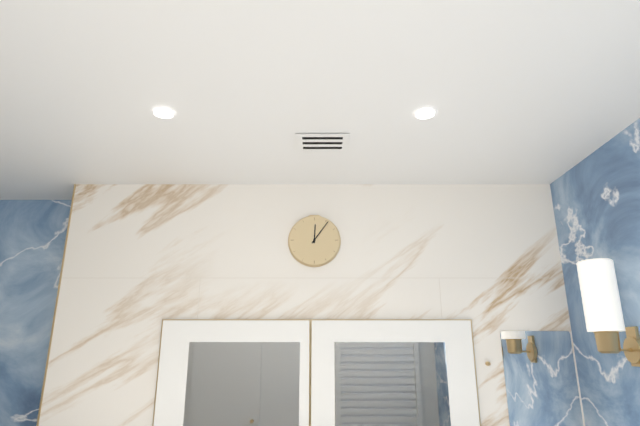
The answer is 12:06
